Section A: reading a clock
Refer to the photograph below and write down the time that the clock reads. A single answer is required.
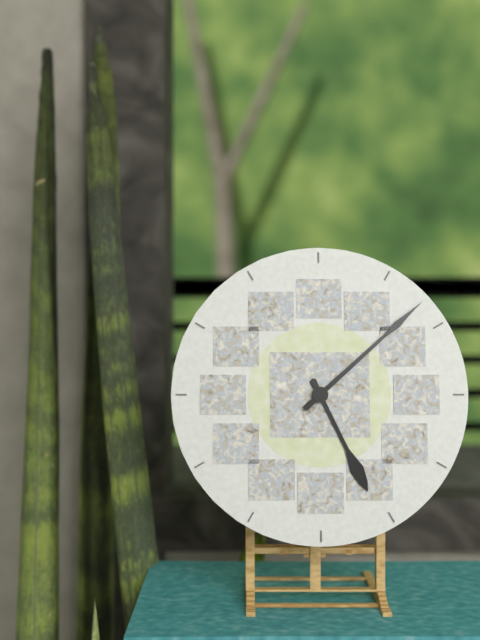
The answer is 5:08
